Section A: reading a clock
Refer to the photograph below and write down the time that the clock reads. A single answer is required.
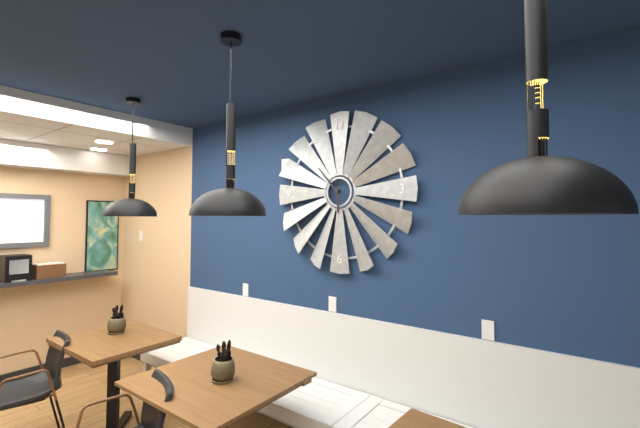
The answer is 5:53
